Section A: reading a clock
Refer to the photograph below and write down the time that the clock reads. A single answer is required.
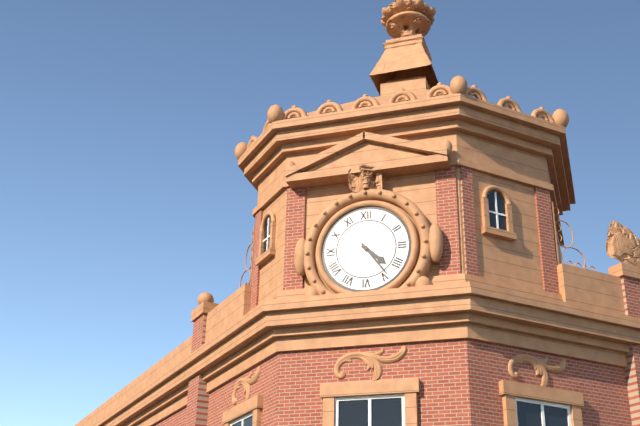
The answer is 4:24
